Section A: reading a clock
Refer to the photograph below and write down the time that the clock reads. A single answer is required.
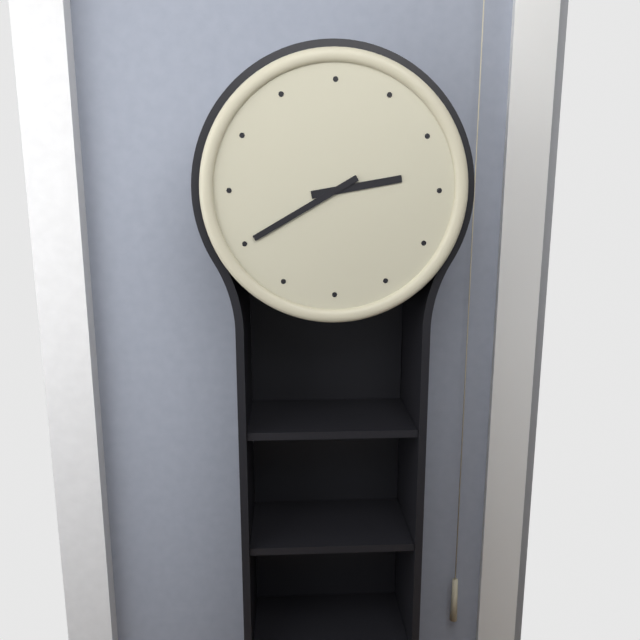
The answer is 2:40
